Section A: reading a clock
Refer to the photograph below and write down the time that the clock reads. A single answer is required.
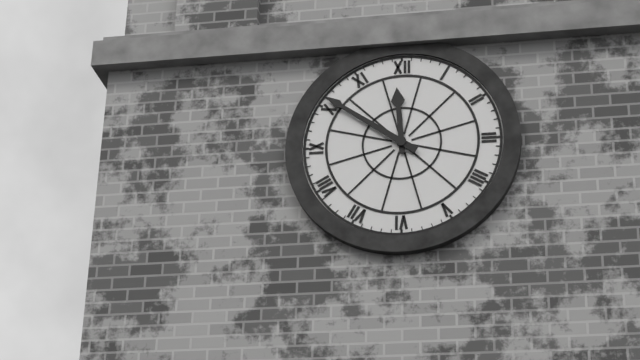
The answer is 11:51
